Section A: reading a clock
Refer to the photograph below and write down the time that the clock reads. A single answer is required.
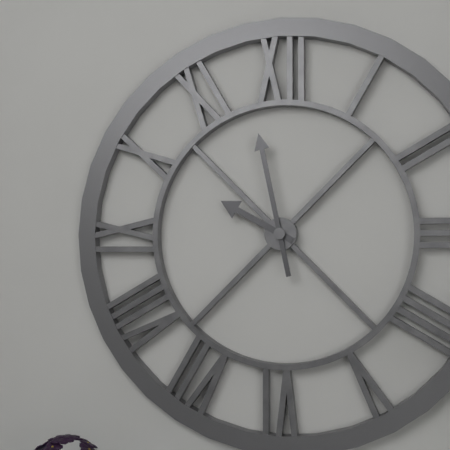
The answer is 9:58
